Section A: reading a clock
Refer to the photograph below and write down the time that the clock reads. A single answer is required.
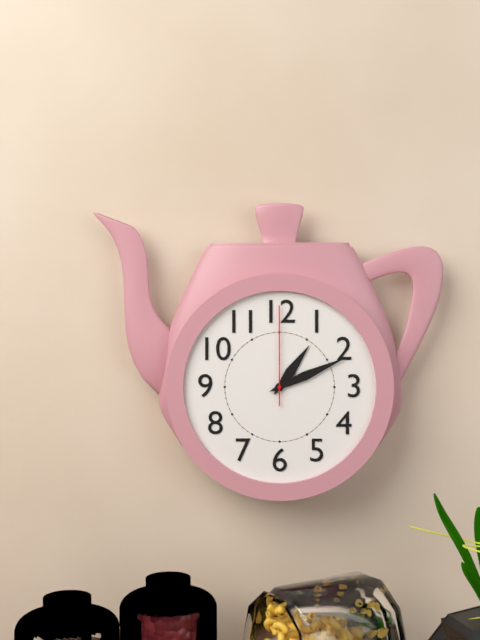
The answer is 1:11:00
